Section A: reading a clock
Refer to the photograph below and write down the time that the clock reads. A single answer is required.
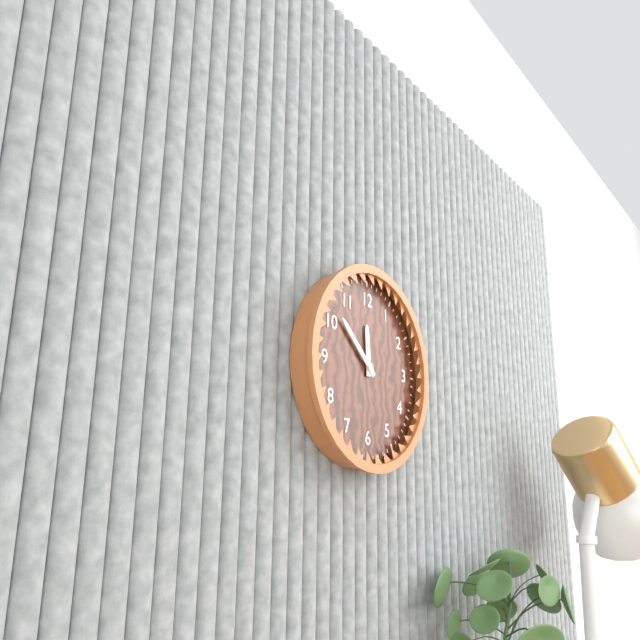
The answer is 11:52
